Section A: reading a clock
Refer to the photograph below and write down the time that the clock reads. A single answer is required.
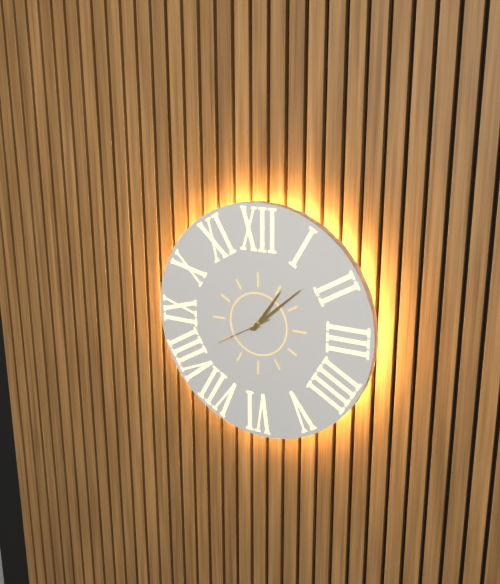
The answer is 1:08:40
